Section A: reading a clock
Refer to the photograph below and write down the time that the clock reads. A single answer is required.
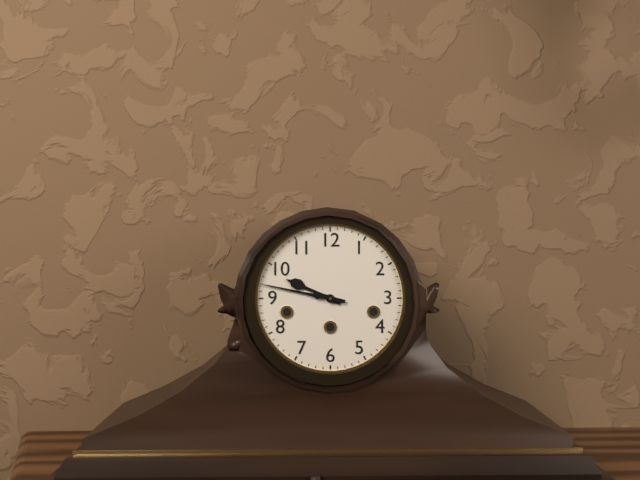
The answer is 9:47
